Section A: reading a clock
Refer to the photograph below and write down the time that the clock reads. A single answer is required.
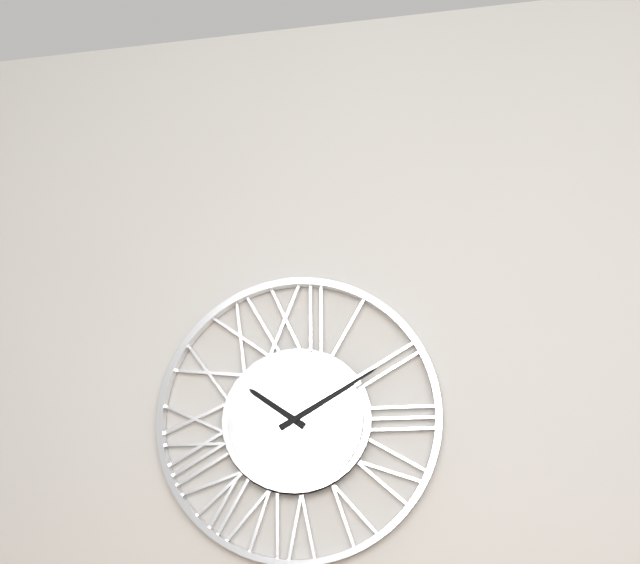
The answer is 10:10
